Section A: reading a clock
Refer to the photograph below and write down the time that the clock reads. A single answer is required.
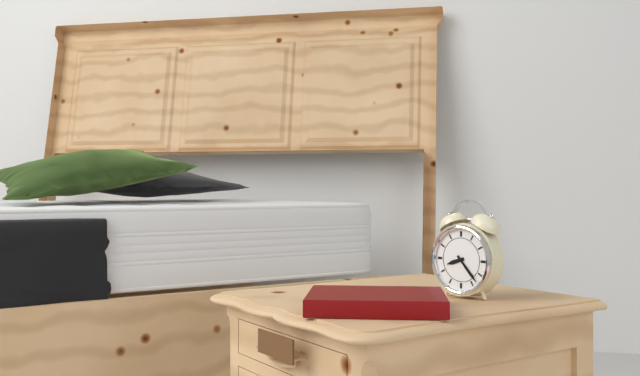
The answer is 8:23
